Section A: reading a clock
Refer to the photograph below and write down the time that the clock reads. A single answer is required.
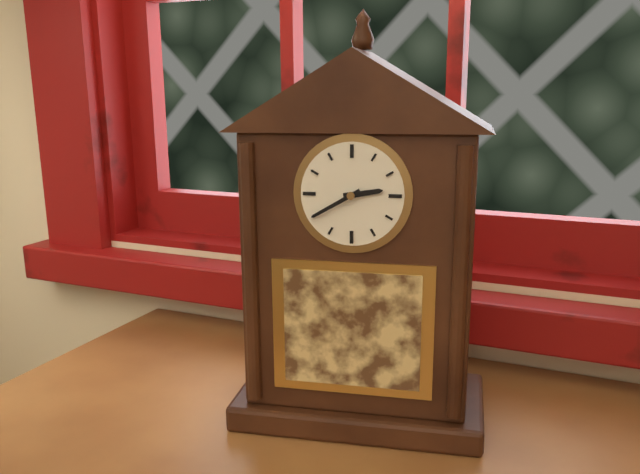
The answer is 2:40
